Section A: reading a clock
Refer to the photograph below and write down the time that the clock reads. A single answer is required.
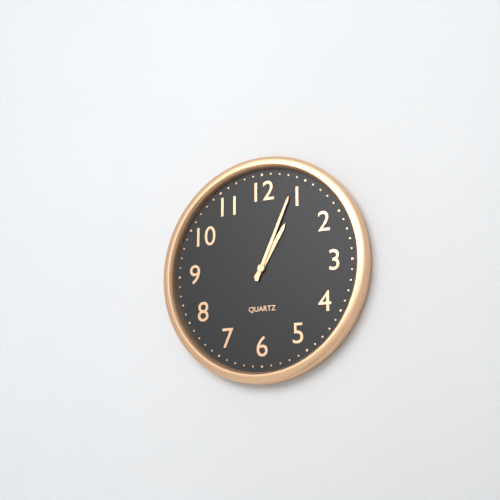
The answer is 1:04
